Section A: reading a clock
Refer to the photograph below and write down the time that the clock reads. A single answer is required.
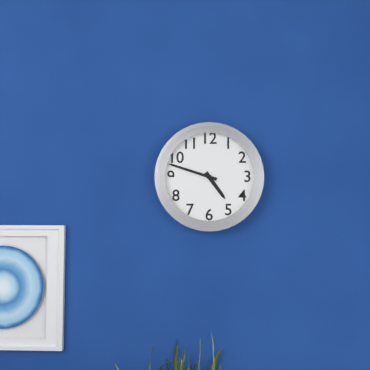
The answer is 4:48
